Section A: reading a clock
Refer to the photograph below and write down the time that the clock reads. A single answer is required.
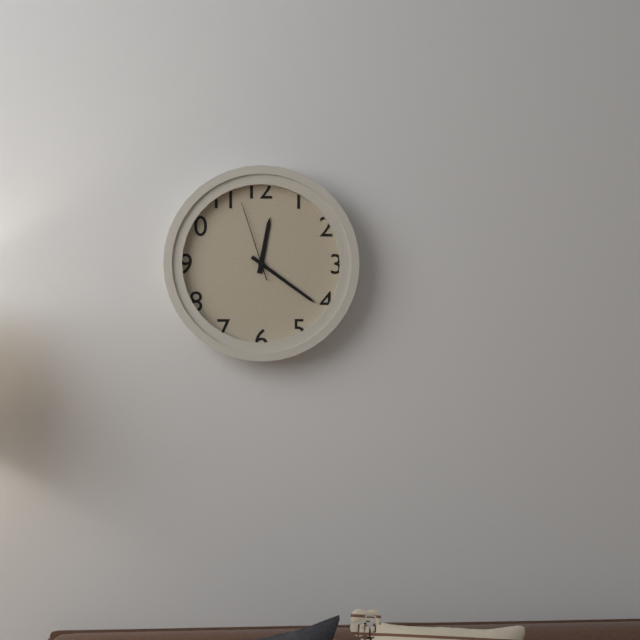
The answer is 12:21:57
